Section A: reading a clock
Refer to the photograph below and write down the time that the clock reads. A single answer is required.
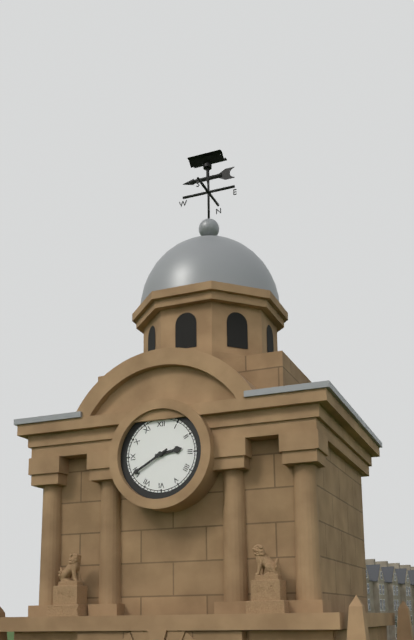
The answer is 2:40
